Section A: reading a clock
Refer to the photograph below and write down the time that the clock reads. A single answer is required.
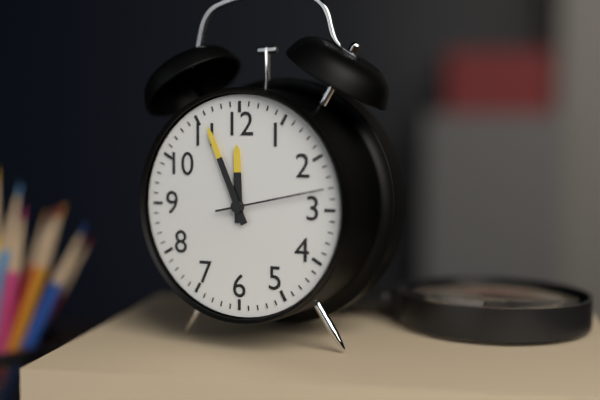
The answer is 11:56:13
